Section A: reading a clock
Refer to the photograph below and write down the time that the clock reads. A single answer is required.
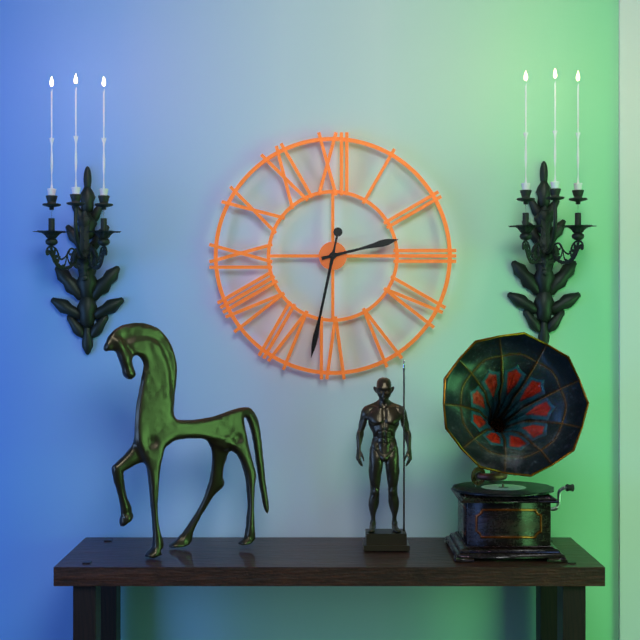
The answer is 2:32
